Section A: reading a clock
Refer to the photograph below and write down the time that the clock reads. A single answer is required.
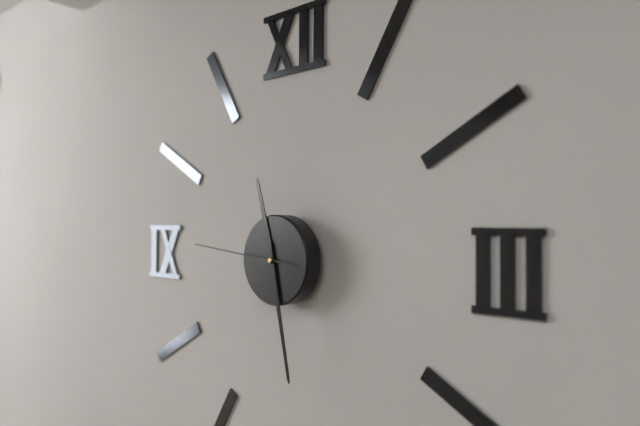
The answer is 11:28:46
